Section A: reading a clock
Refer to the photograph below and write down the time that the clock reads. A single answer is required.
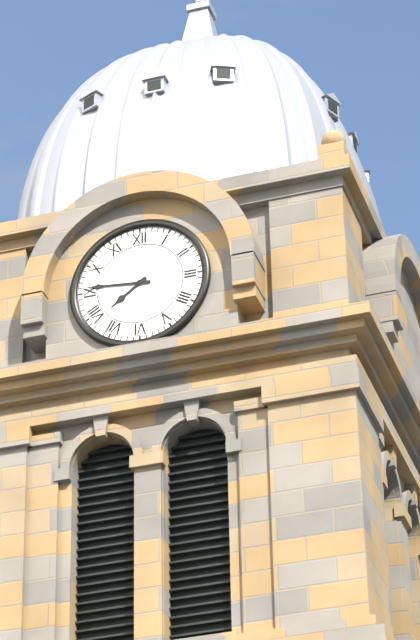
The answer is 7:46
